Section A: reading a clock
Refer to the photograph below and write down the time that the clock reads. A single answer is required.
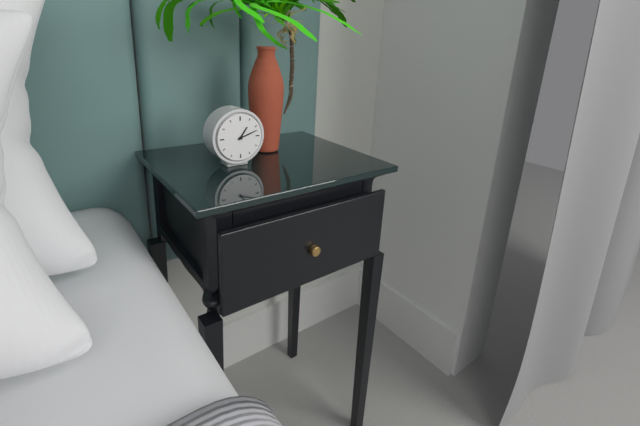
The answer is 1:12
